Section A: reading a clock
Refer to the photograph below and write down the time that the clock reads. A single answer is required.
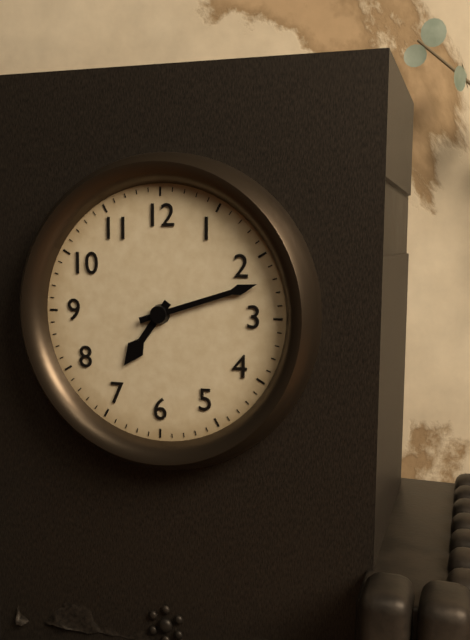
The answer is 7:12
